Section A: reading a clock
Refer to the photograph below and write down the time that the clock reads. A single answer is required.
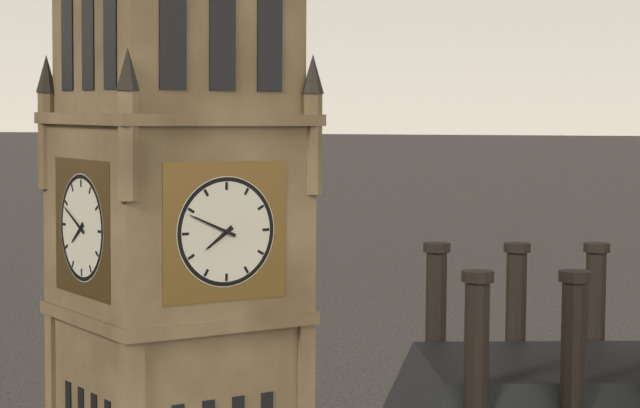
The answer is 7:49
